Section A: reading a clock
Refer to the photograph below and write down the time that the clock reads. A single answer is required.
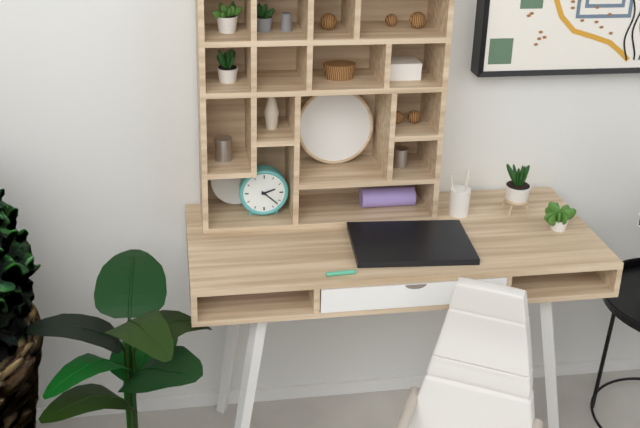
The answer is 2:22
